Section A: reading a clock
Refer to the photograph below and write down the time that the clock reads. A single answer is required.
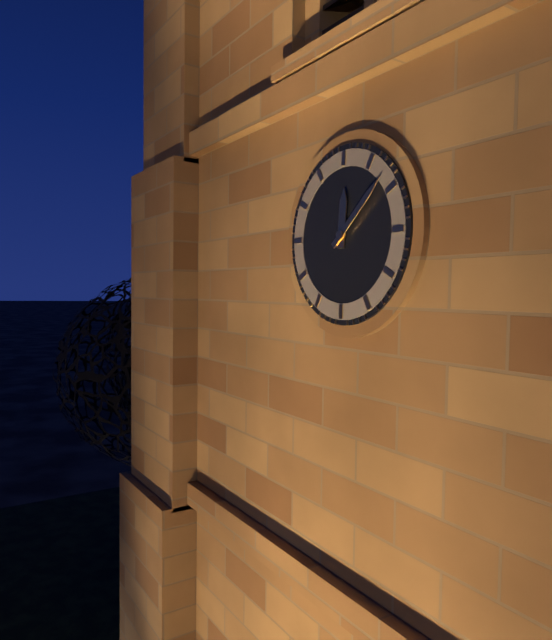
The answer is 12:08
